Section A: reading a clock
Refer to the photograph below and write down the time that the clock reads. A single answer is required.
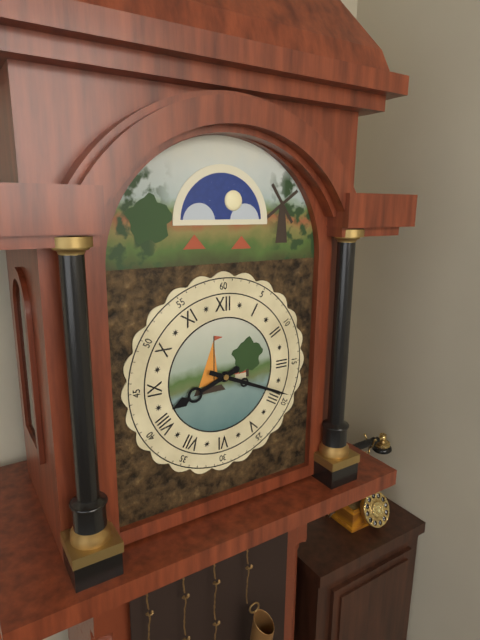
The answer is 8:19
